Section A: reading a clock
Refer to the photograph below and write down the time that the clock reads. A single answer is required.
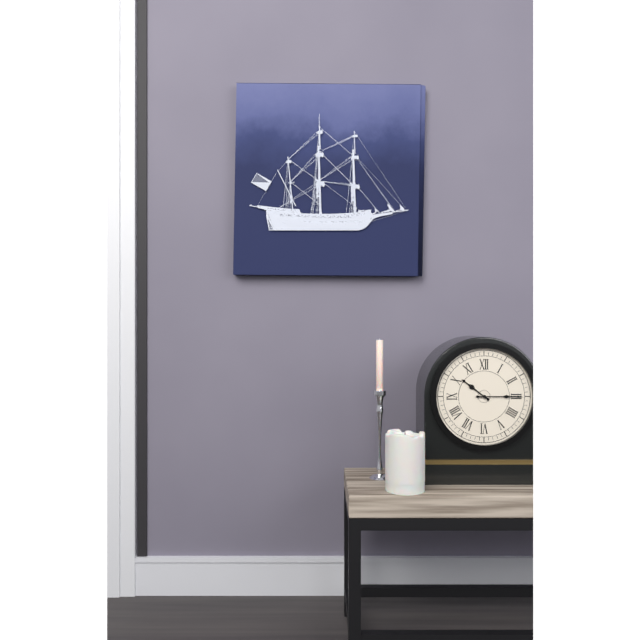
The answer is 10:15
